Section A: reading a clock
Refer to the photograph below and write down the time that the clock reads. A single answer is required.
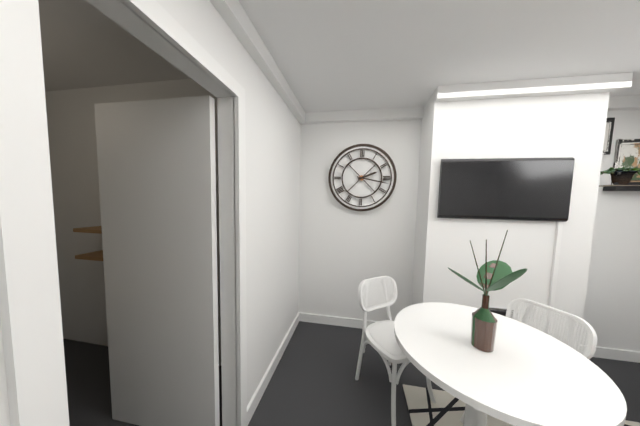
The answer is 2:17
